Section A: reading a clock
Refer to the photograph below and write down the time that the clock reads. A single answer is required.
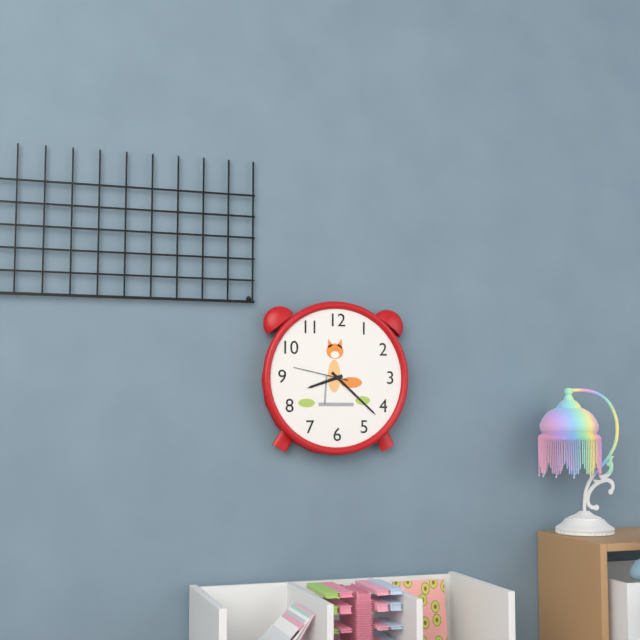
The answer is 8:22:47
